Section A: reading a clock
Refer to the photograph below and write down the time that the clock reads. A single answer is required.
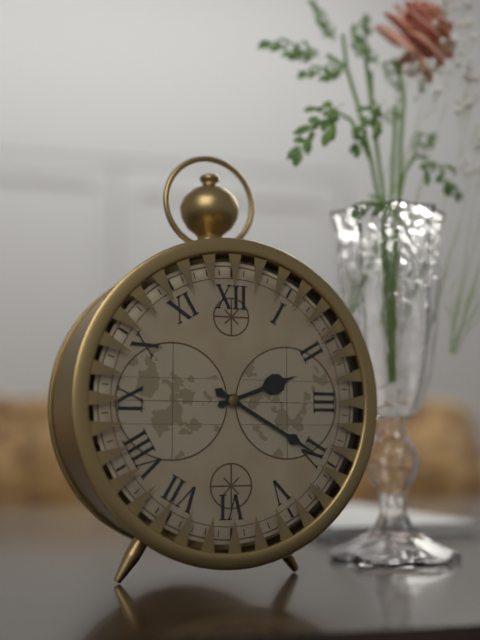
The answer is 2:20
